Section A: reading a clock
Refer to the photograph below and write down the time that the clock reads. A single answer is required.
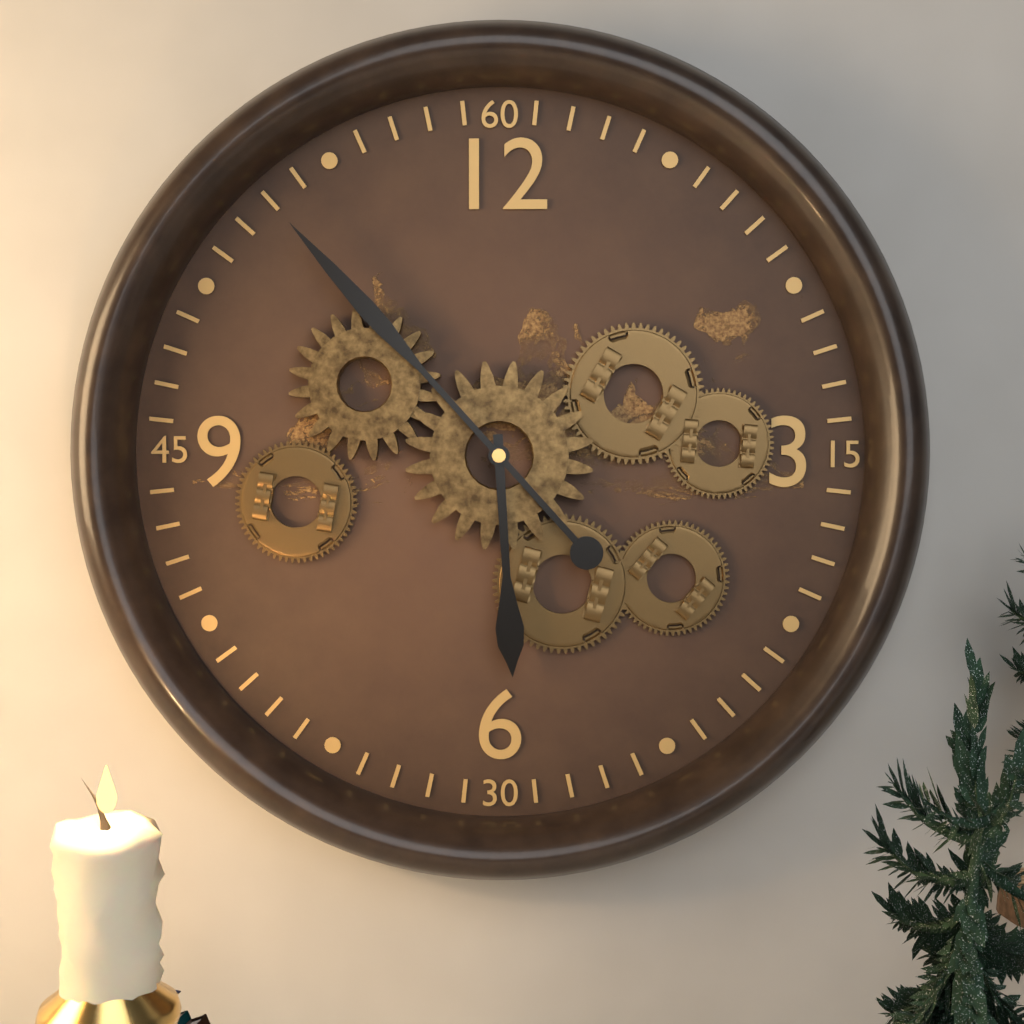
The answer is 5:53
